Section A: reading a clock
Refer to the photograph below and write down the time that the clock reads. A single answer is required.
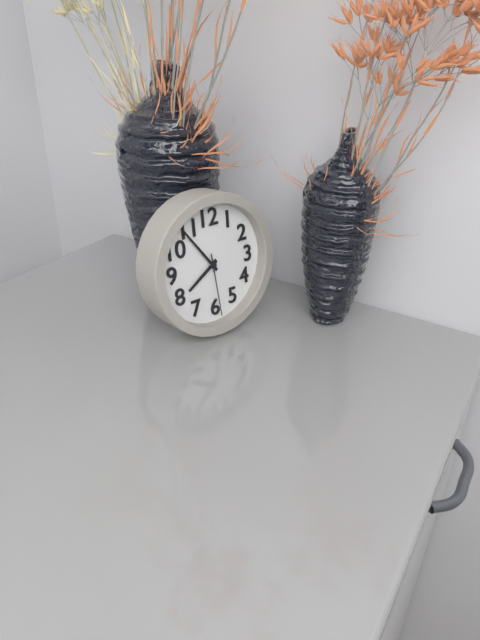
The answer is 7:54:29
